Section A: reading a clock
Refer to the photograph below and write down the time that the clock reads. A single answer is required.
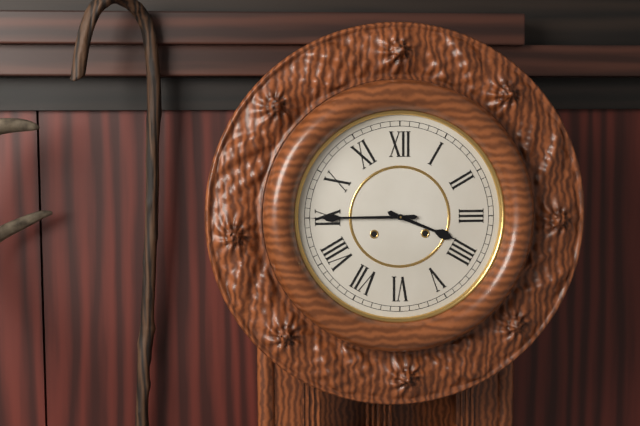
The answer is 3:45
